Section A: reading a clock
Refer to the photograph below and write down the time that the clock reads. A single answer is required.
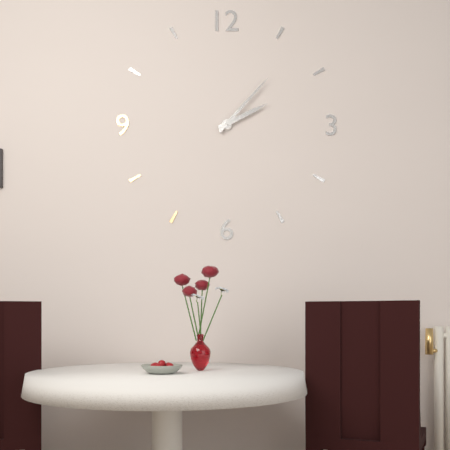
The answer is 2:07
